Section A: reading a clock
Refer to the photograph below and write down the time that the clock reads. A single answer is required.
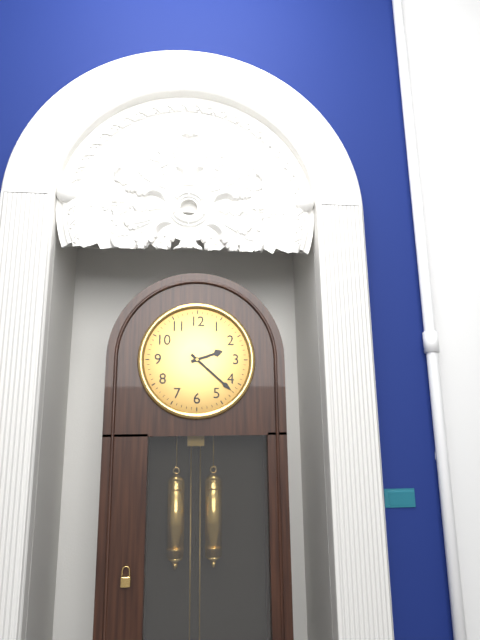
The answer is 2:22
